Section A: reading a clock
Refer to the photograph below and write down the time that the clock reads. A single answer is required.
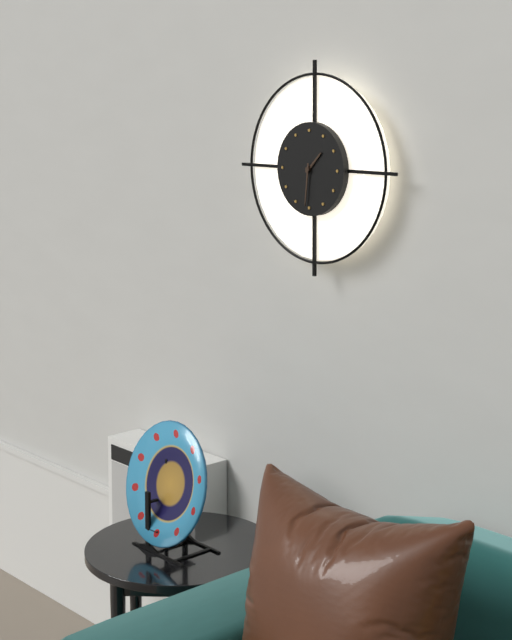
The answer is 1:31
